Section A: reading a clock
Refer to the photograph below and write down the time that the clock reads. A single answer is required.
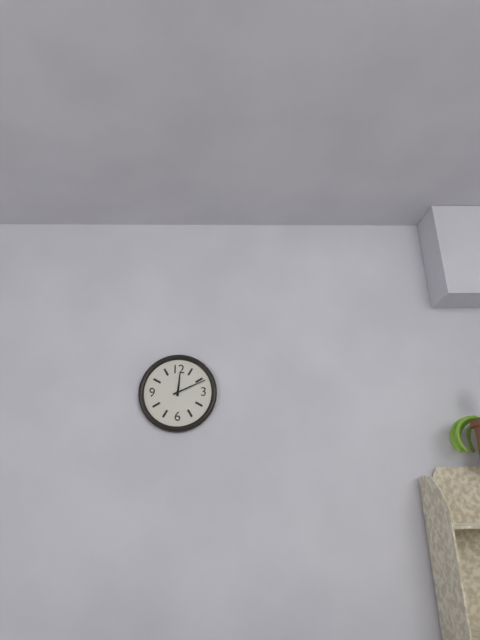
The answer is 12:11
